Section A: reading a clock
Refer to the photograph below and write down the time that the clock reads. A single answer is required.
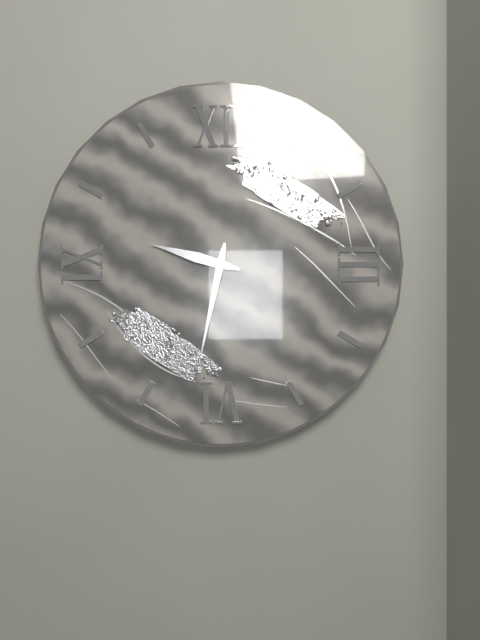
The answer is 9:32
